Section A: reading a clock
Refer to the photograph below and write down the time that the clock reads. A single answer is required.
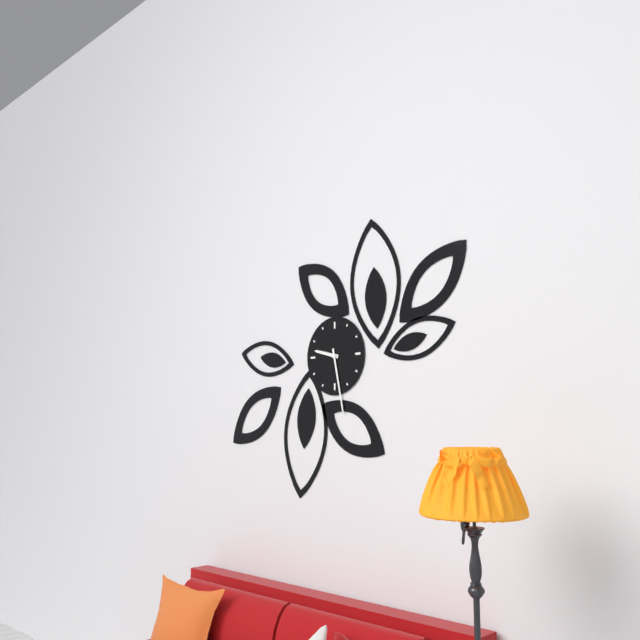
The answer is 9:28
